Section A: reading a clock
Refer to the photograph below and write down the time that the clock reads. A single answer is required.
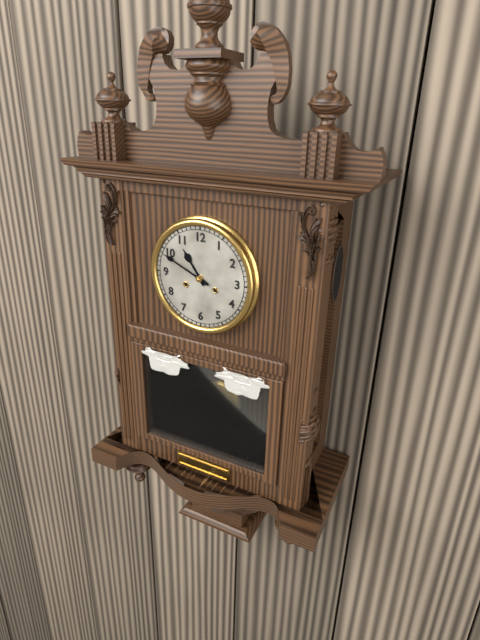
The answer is 10:49
